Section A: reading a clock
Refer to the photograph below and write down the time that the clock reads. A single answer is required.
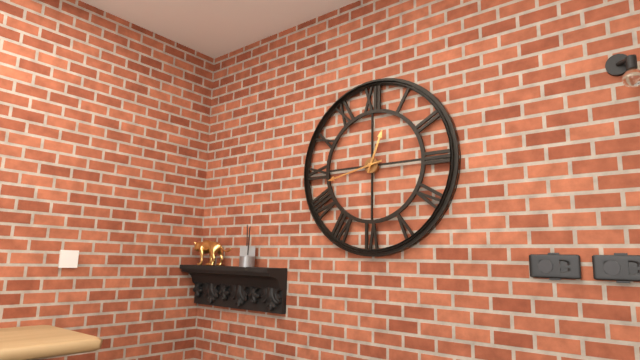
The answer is 12:43
